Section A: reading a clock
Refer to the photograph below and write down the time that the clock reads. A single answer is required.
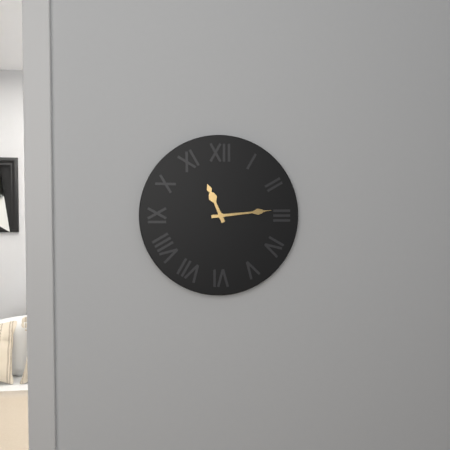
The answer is 11:14
